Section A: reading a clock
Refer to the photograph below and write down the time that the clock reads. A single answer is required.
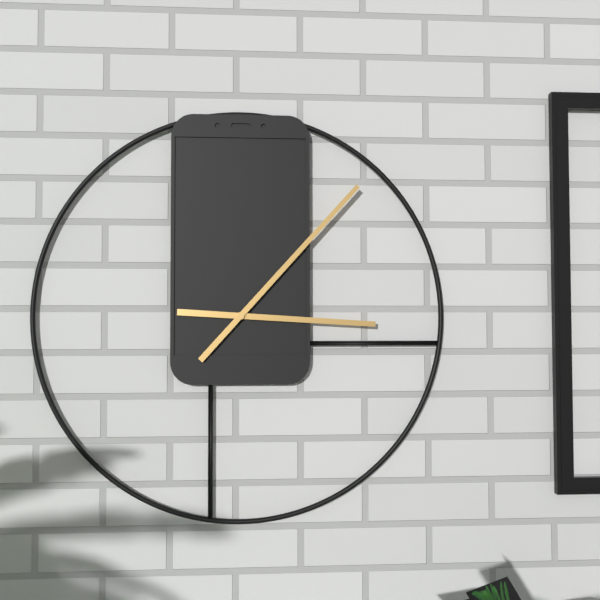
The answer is 3:07
